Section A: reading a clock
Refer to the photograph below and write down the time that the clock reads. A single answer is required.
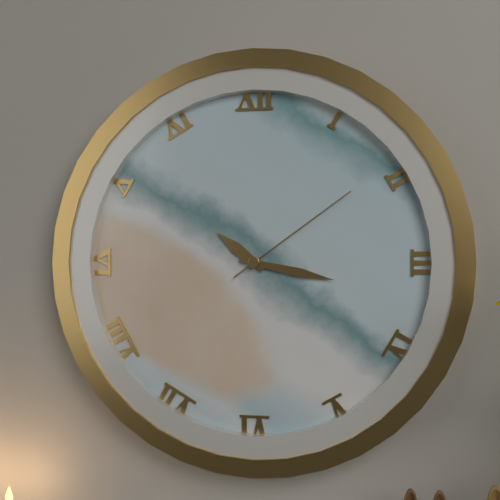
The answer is 10:17:09
